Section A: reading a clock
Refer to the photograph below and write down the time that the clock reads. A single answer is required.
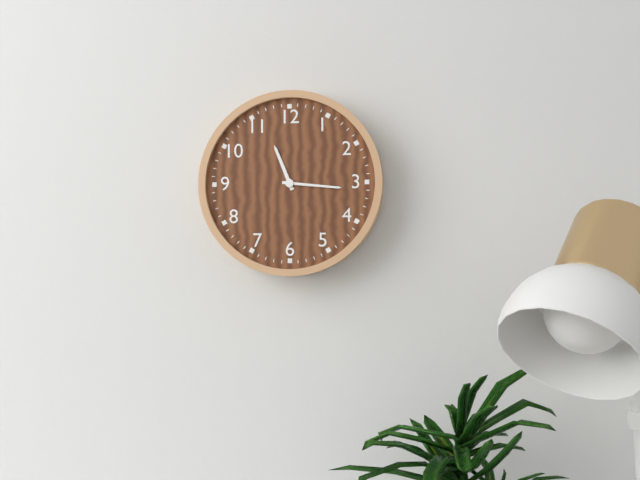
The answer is 11:16
